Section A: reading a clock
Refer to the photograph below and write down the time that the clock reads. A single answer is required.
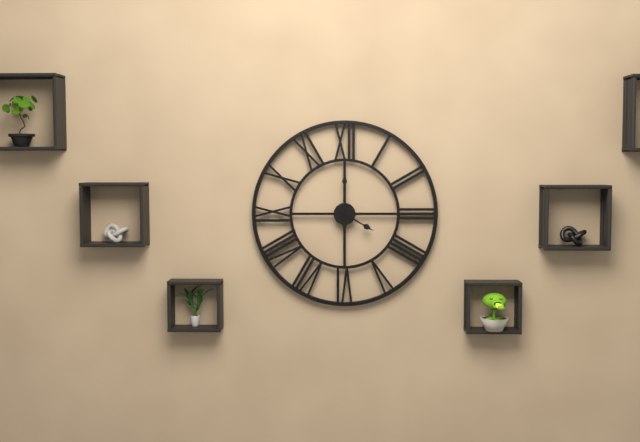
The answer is 4:00
